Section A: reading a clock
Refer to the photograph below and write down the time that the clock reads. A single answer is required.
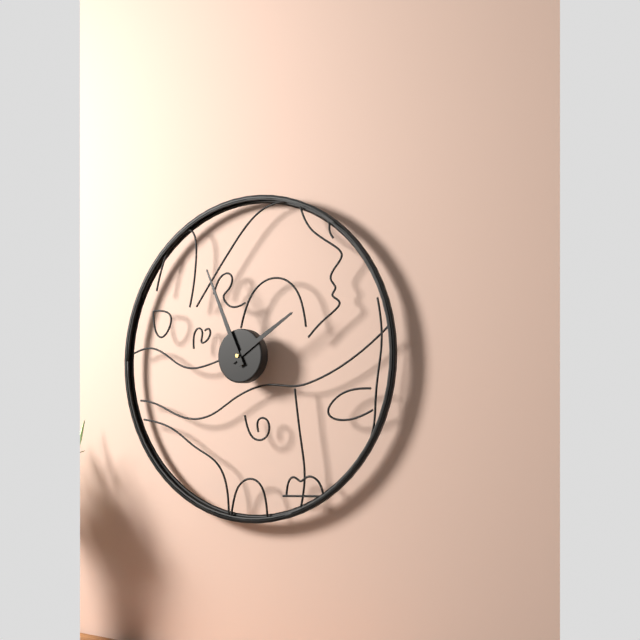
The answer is 1:56
